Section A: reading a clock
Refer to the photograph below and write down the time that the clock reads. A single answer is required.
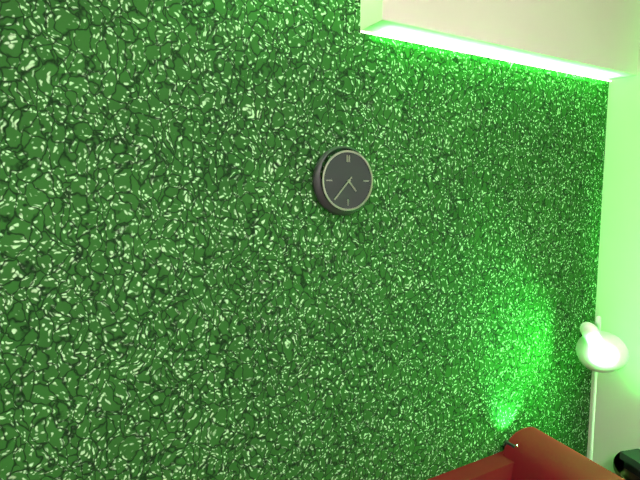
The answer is 4:37
